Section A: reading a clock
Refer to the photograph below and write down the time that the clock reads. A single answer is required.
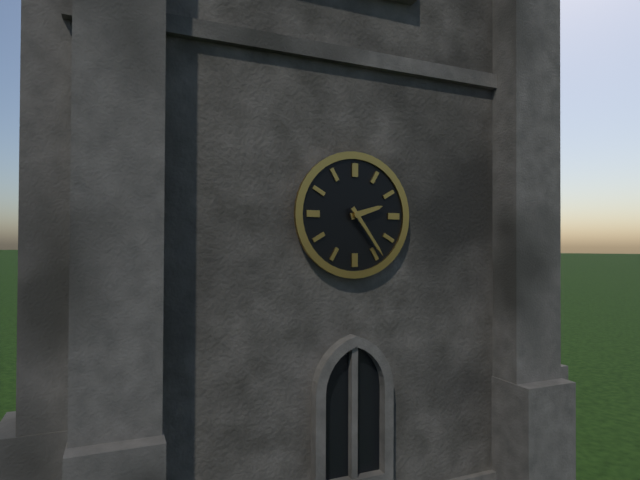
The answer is 2:24
